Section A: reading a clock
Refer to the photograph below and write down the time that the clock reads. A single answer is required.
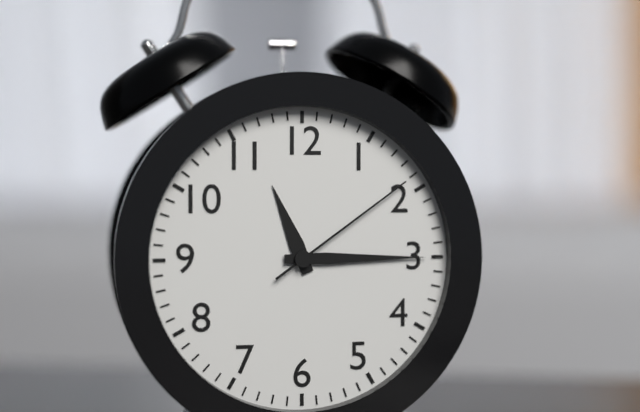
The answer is 11:15:09
